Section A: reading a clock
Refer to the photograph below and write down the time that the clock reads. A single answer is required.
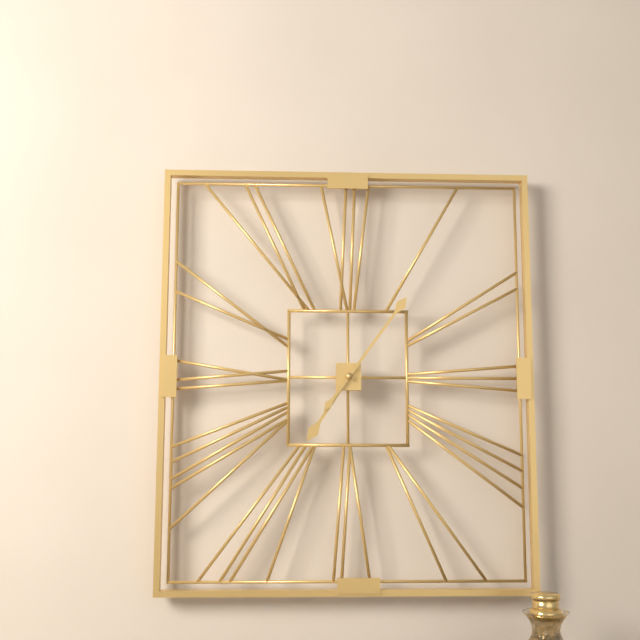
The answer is 7:06
